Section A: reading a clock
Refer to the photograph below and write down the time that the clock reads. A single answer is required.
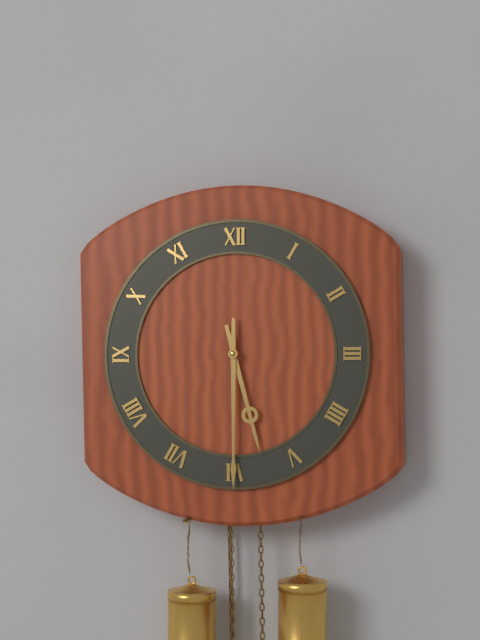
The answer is 5:30
